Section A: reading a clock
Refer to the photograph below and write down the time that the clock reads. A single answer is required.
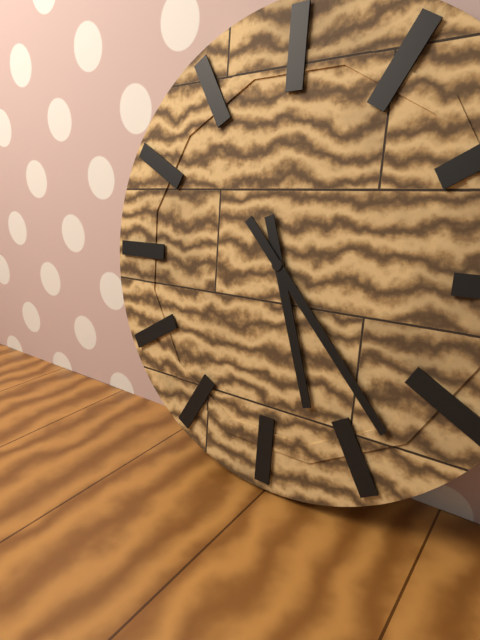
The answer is 5:23
